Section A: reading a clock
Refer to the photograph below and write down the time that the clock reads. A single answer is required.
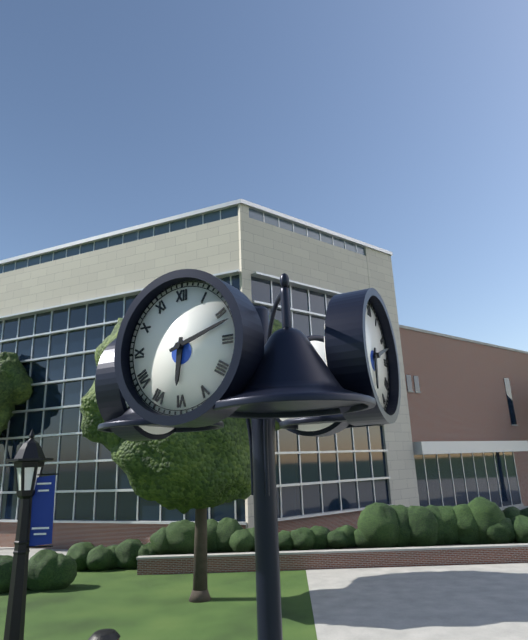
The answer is 6:12
